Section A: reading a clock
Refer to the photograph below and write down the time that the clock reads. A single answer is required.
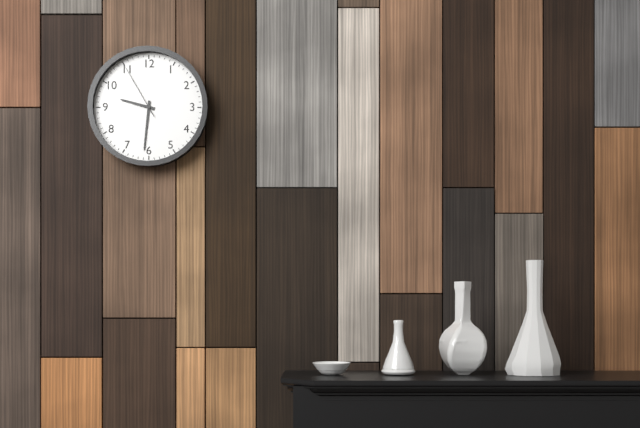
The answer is 9:31:55
